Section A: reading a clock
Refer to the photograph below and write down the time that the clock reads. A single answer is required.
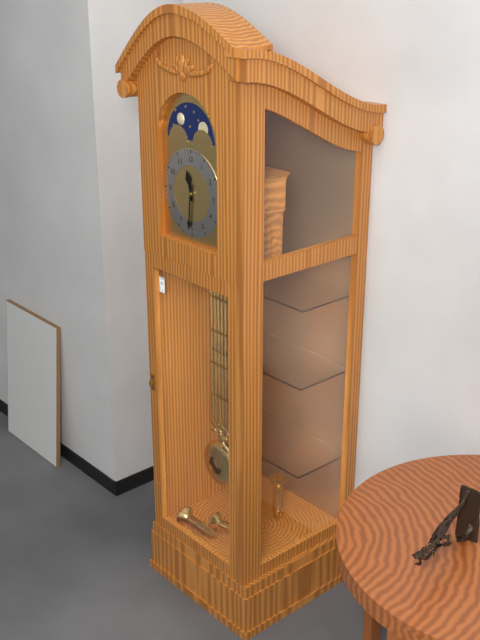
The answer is 11:31
